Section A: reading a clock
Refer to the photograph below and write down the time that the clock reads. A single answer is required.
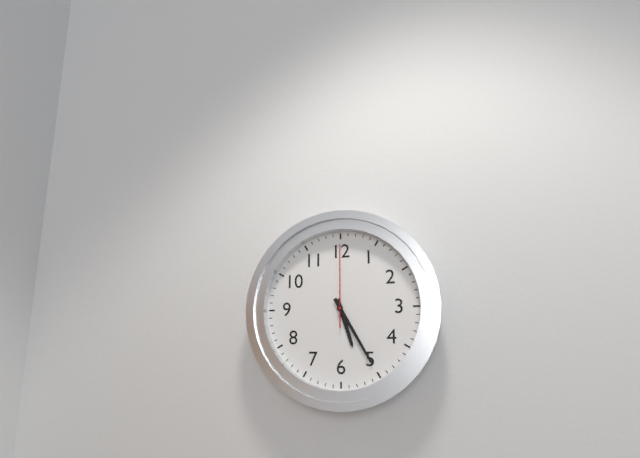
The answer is 5:25:00
